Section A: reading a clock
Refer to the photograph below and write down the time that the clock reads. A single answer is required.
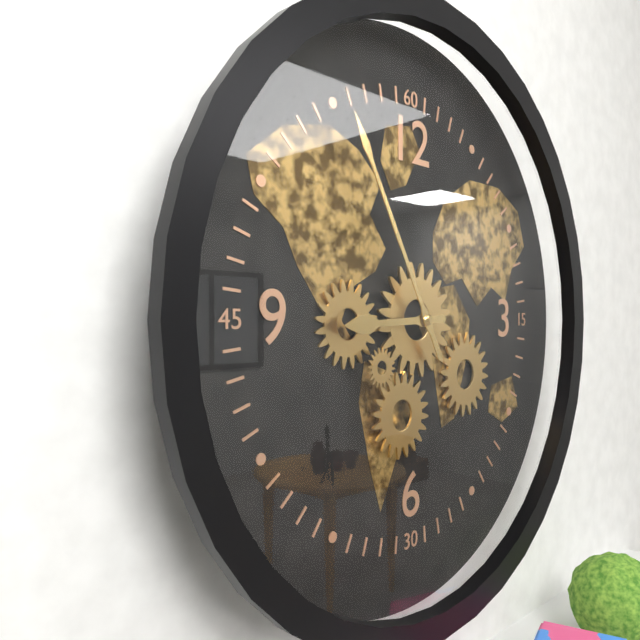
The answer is 8:55
